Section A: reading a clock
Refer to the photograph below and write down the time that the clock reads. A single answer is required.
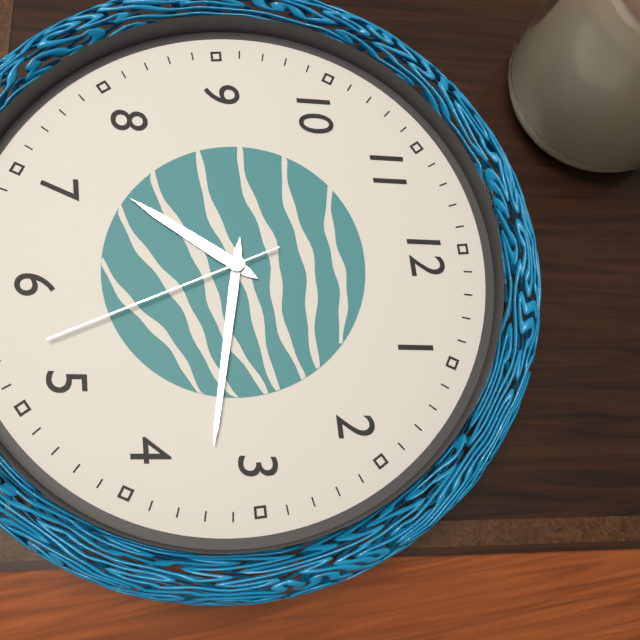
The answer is 7:17:27
